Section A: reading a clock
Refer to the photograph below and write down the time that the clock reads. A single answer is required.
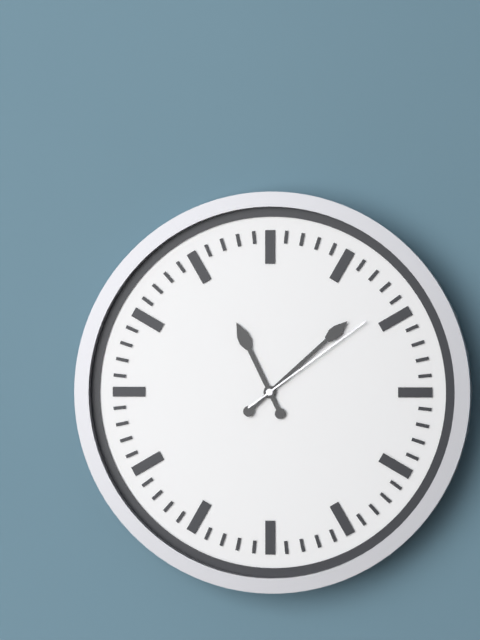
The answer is 11:08:09
